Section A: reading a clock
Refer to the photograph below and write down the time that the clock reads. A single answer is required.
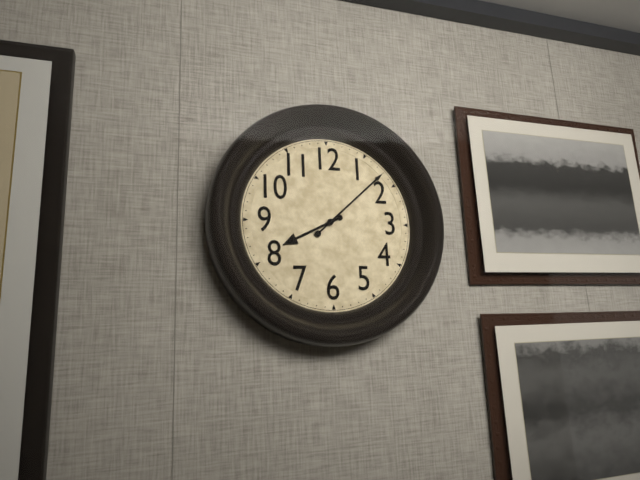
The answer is 8:08
